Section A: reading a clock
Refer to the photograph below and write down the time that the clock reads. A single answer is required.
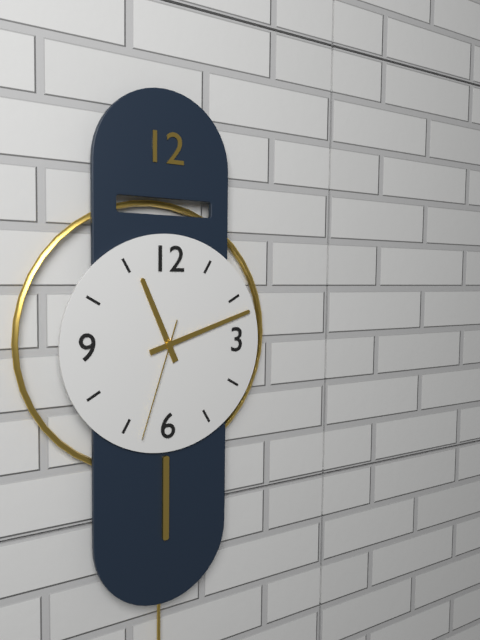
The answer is 11:12:33
